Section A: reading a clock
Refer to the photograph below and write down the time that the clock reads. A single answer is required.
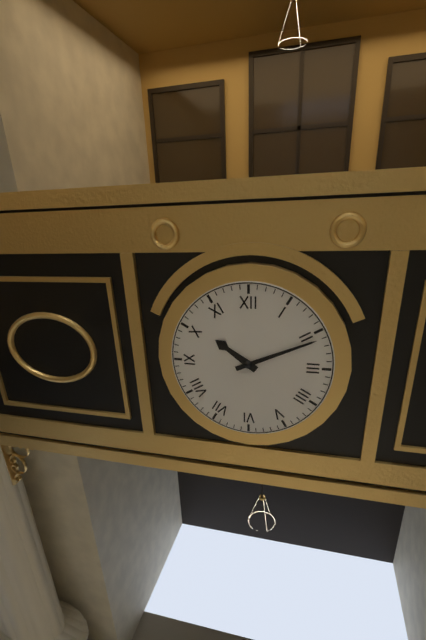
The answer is 10:11
